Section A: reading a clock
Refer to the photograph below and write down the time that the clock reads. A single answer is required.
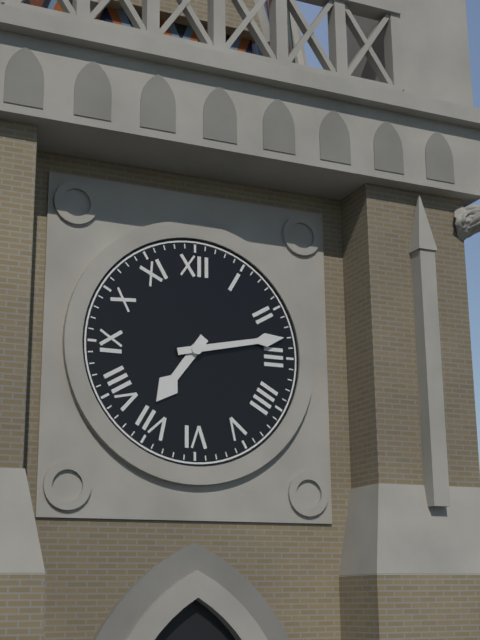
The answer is 7:13
